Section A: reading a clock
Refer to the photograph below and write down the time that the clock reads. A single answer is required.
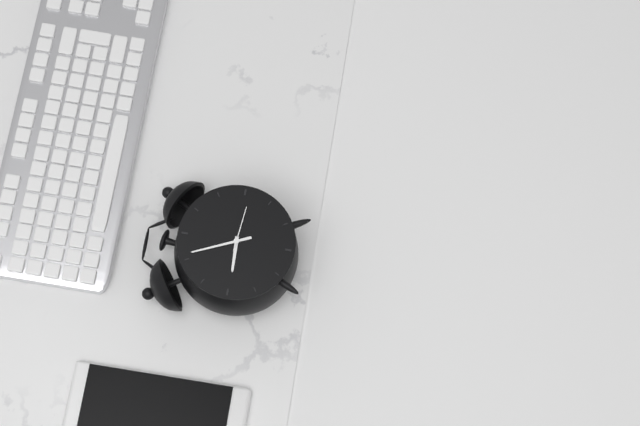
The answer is 8:56
